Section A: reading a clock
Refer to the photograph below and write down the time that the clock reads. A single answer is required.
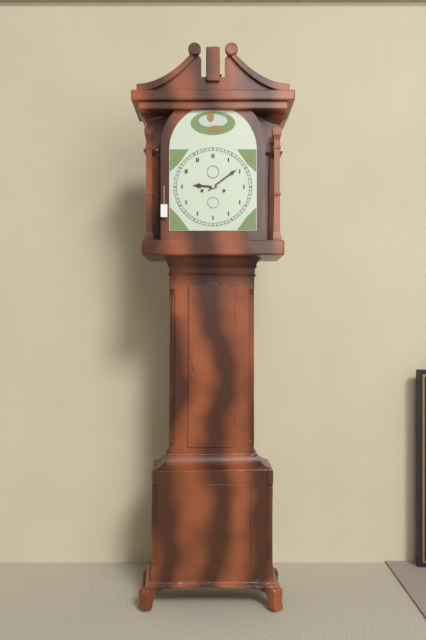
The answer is 9:09
